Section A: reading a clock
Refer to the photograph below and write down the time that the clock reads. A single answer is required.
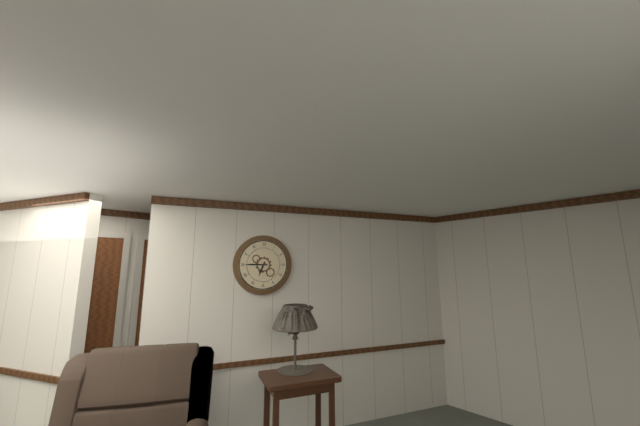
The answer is 6:45
